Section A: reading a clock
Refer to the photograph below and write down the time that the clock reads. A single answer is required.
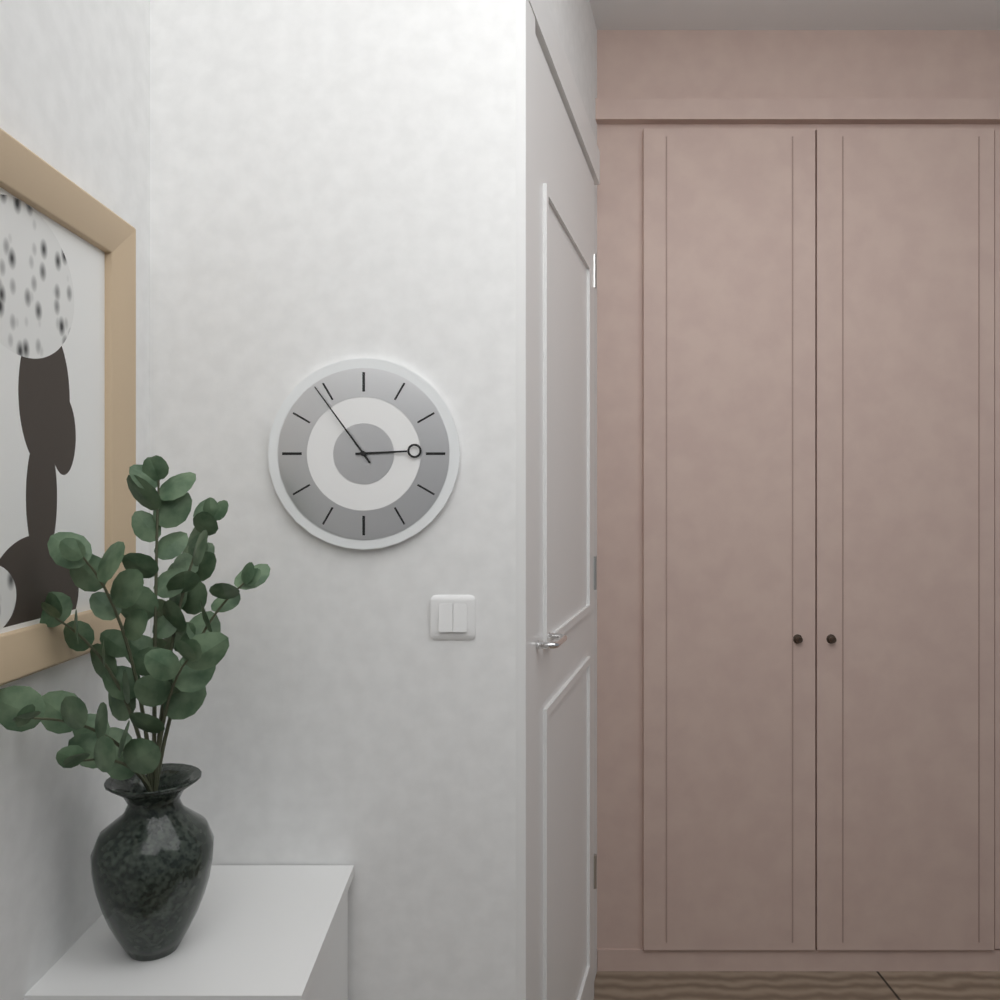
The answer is 2:54
